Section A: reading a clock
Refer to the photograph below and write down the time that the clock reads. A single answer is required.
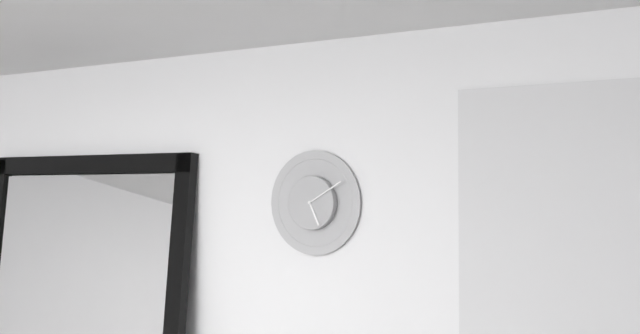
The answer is 5:10
